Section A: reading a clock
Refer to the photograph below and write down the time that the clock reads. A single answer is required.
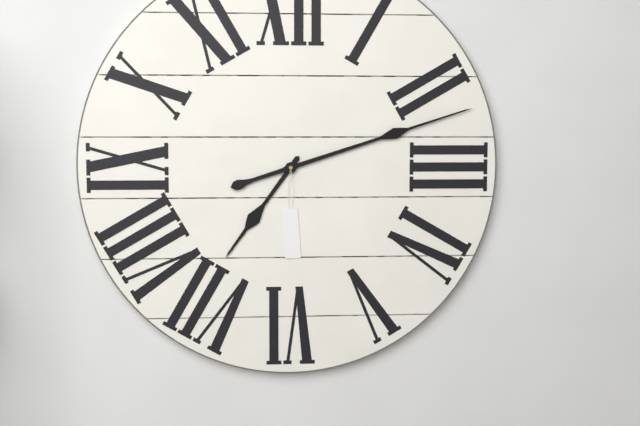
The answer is 7:12
